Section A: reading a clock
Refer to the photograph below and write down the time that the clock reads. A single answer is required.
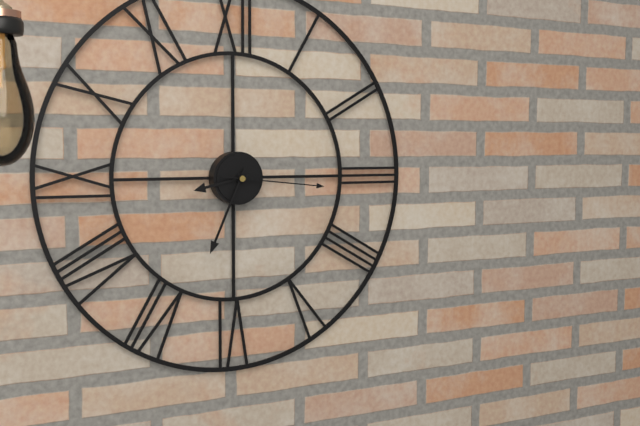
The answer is 8:34:16
